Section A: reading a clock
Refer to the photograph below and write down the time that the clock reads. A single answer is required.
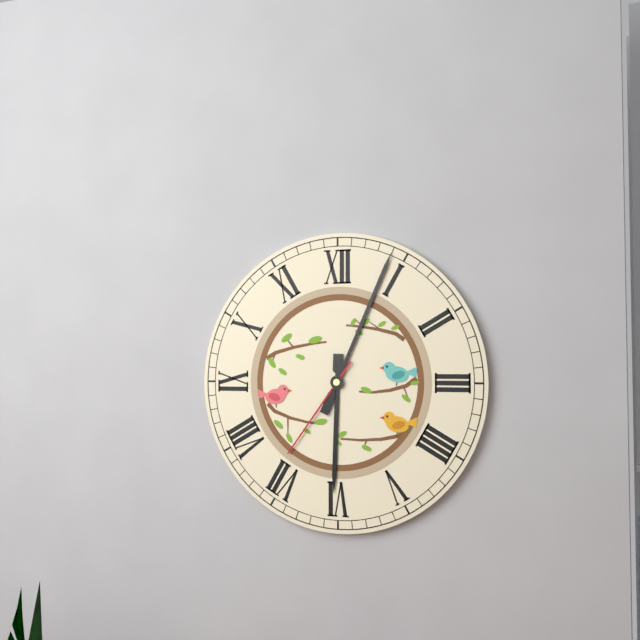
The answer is 6:04:36
